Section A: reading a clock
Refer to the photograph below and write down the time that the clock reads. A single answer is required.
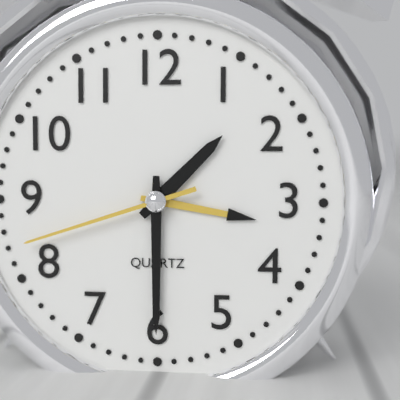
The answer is 1:30:42
